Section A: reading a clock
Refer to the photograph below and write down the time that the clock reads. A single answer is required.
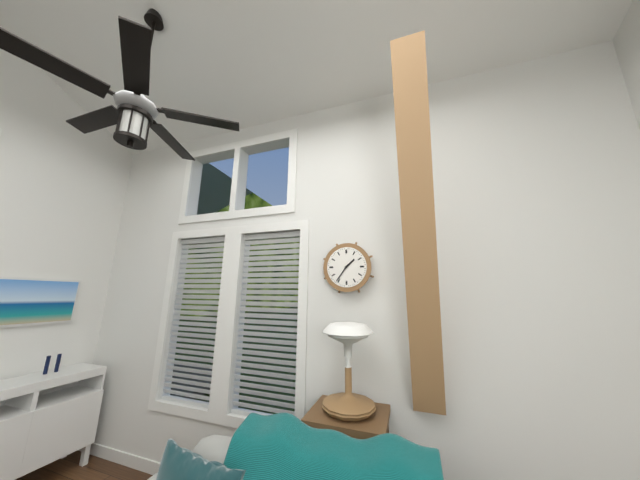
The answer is 1:36
